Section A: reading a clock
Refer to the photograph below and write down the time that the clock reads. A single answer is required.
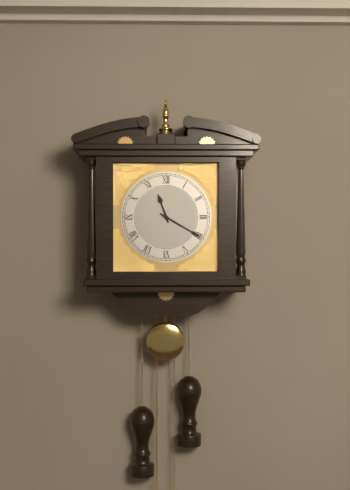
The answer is 11:20
